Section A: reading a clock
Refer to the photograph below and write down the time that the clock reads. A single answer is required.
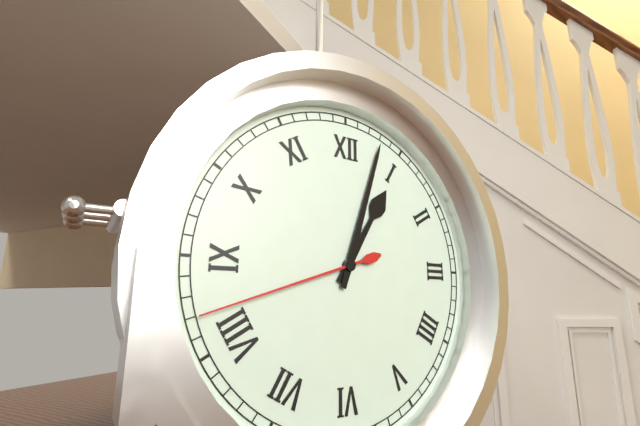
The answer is 1:03:42
